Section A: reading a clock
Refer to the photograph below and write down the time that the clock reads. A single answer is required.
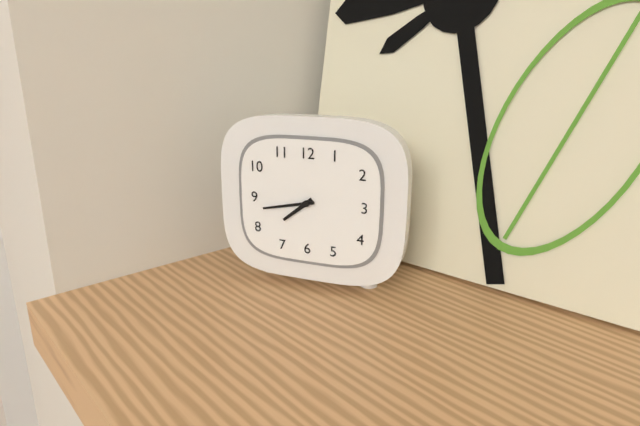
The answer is 7:43
